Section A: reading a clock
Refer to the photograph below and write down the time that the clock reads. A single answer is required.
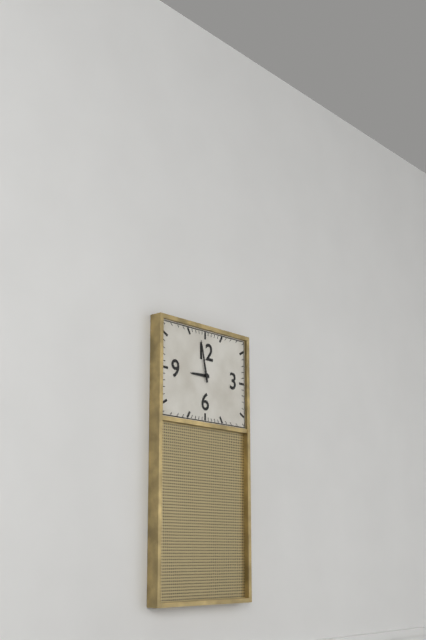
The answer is 8:58
